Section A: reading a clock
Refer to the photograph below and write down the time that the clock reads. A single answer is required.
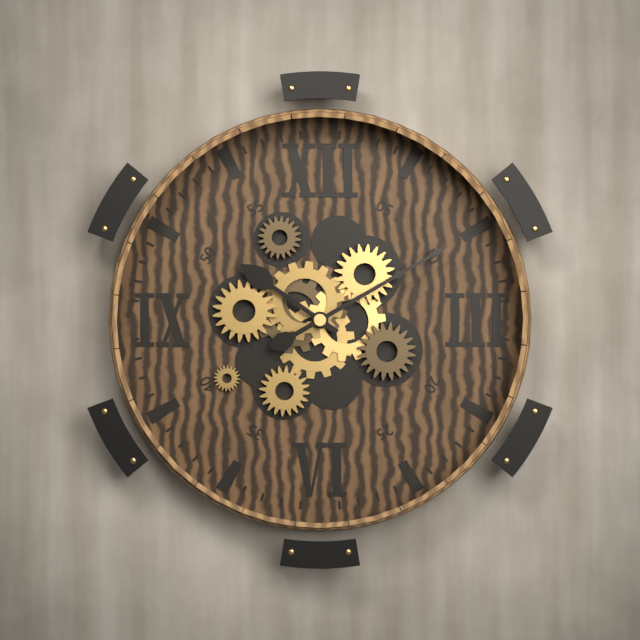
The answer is 10:10
